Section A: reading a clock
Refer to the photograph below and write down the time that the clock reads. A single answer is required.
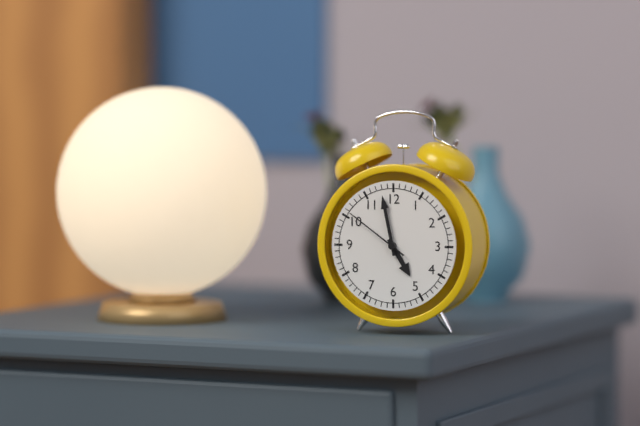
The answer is 4:58:51
